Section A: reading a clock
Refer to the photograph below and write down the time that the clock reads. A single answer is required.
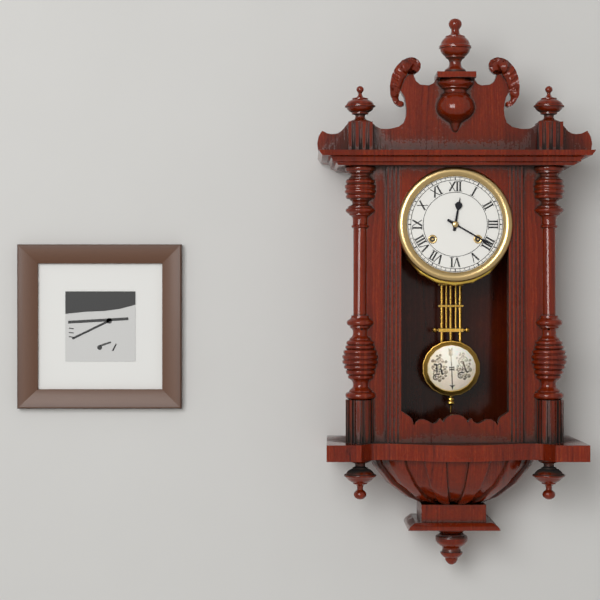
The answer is 12:20
